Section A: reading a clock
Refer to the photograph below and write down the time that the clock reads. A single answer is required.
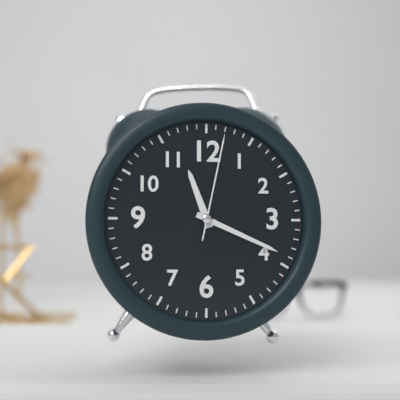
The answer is 11:19:02
